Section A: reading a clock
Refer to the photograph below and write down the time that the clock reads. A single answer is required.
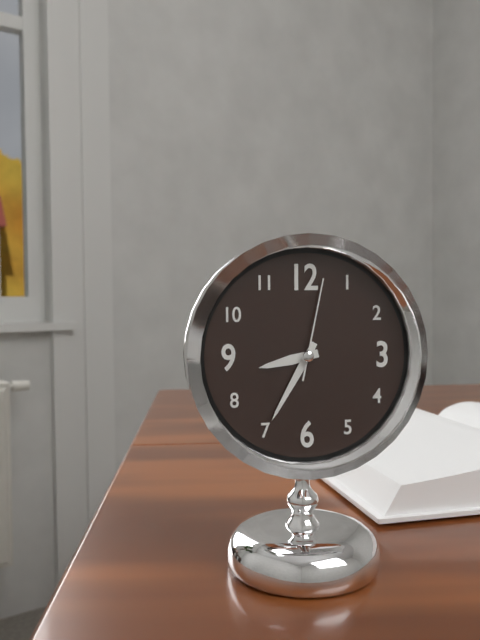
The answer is 8:35:02
